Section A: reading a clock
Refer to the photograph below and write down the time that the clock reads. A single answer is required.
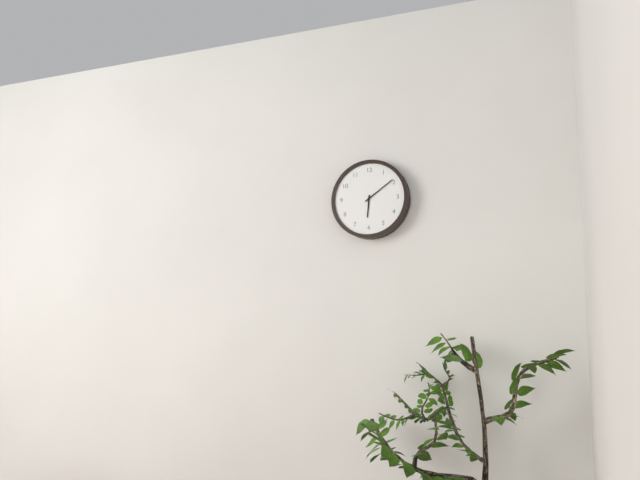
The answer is 6:09
